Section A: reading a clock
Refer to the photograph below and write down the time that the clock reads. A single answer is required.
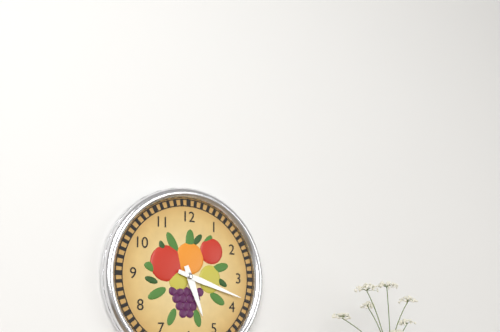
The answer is 5:18
